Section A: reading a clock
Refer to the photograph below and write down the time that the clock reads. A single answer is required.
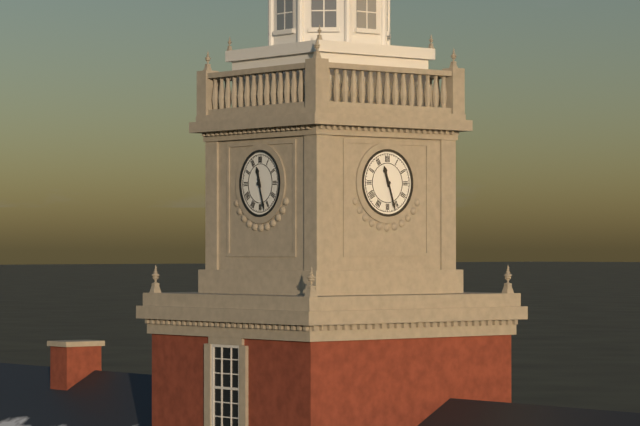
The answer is 11:27
